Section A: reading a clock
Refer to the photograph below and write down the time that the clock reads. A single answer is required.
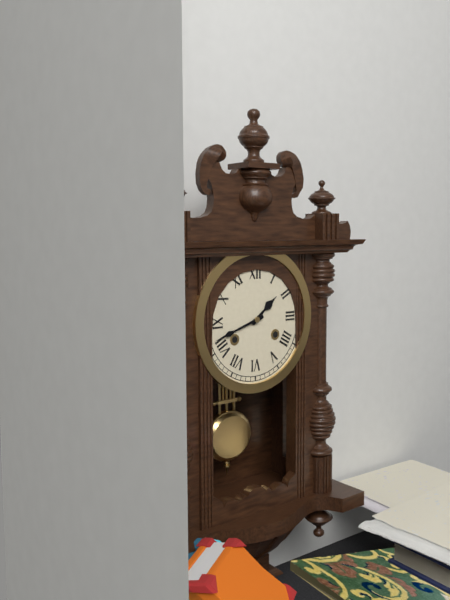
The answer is 1:42
